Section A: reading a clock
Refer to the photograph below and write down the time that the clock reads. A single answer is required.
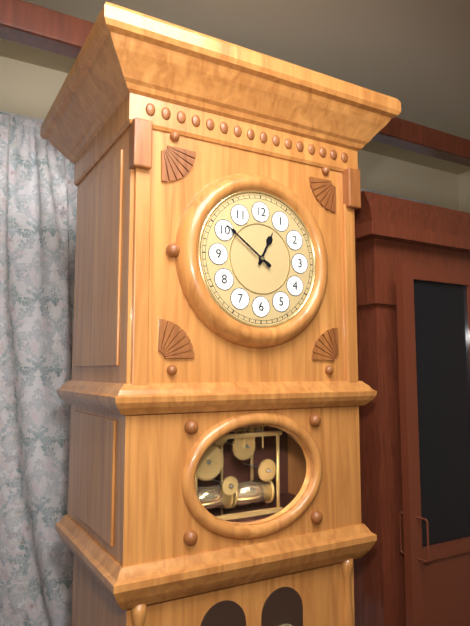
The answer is 12:51
